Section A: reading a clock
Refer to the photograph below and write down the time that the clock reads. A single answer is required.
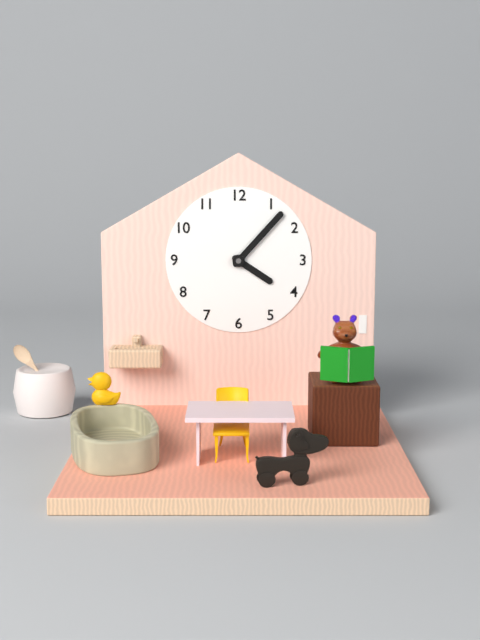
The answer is 4:07
